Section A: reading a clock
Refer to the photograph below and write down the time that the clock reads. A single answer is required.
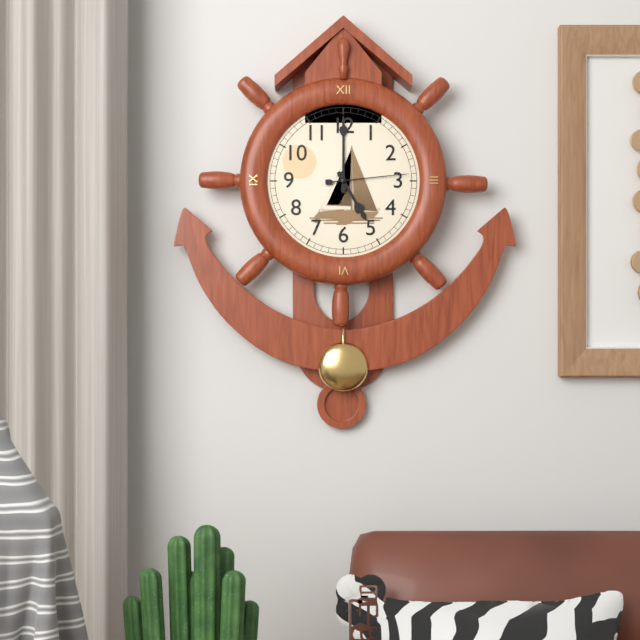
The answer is 5:00:14
